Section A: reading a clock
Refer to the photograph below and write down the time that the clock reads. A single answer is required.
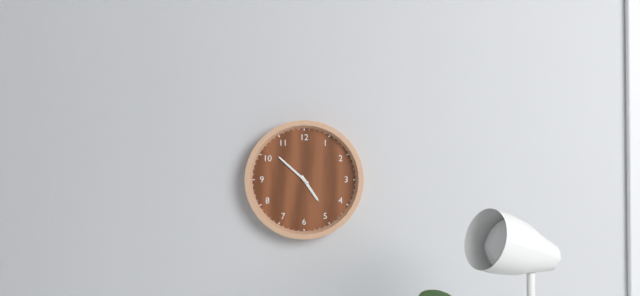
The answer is 4:52
